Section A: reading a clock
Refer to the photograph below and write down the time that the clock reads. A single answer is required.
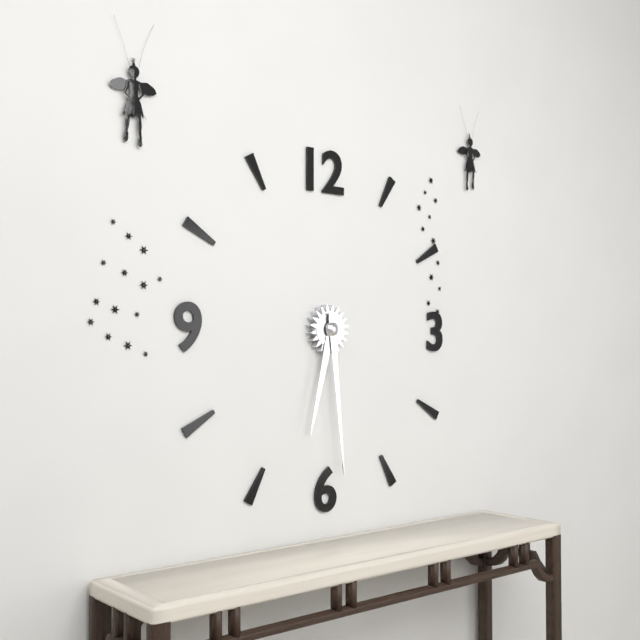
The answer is 6:29
